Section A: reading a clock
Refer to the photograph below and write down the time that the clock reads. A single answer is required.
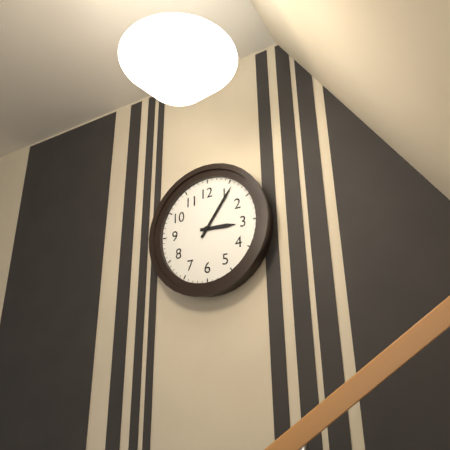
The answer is 3:06
